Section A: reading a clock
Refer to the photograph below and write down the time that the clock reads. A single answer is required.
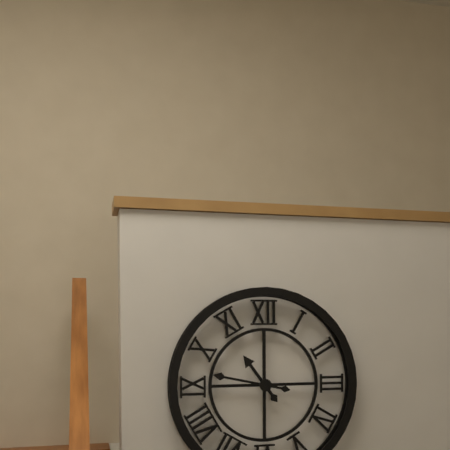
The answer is 10:47
